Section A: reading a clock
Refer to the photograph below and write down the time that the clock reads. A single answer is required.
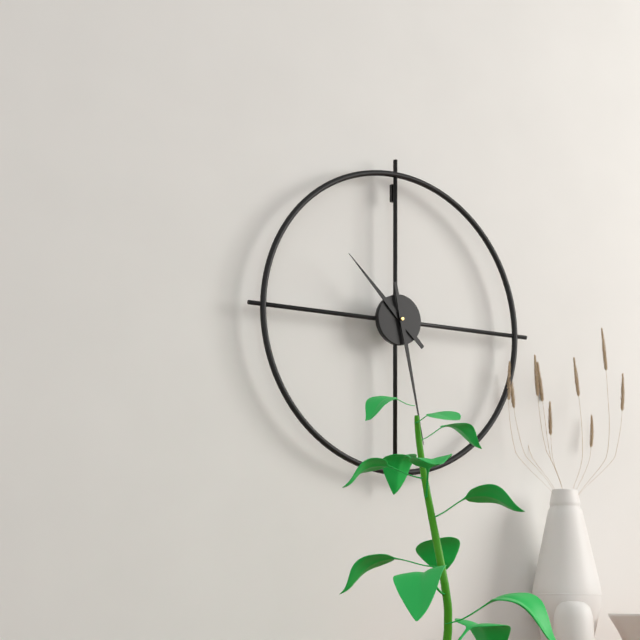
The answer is 10:28
